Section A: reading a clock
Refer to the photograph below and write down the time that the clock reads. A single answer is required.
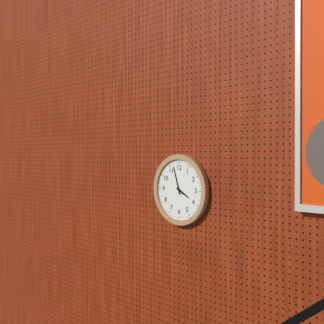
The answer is 3:57
